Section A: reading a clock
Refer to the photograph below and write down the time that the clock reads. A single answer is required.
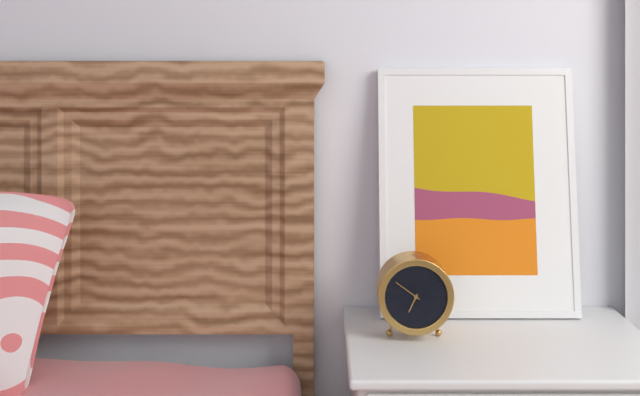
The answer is 6:51
